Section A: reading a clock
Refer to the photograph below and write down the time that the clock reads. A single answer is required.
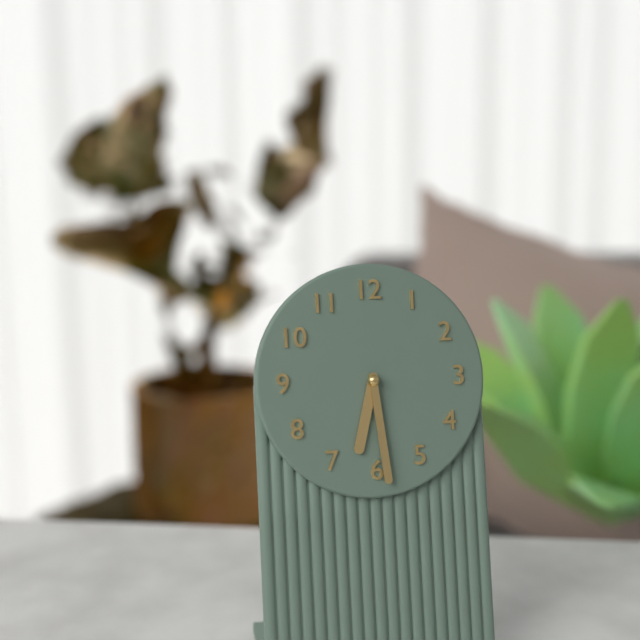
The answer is 6:29
